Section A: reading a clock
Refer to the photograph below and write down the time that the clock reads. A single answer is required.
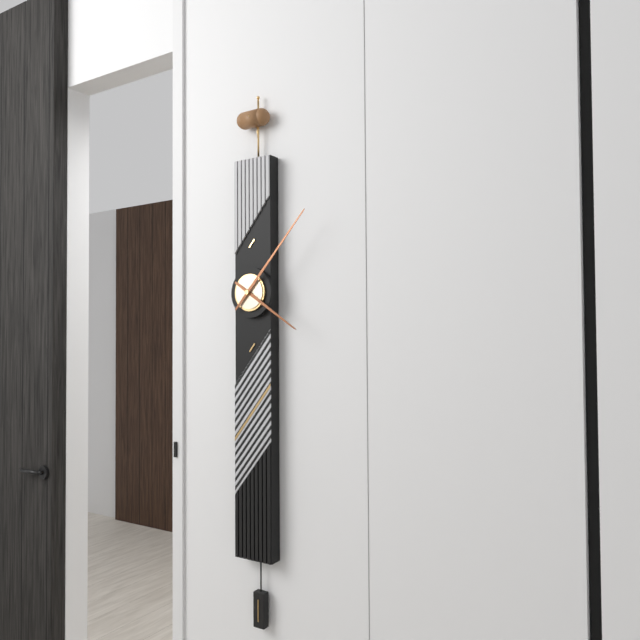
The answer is 4:07
